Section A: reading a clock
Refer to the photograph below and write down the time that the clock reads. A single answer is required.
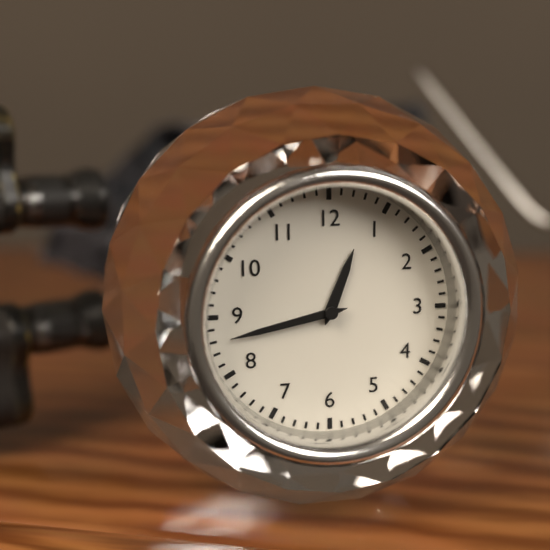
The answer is 12:43
